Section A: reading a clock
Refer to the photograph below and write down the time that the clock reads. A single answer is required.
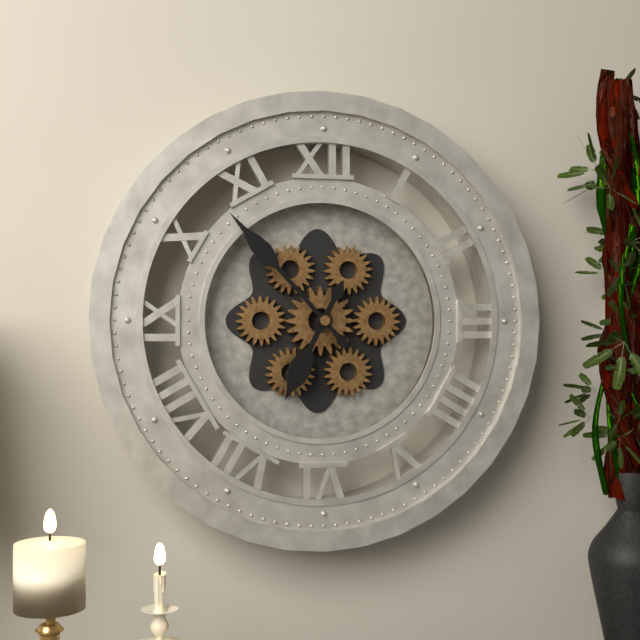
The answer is 6:53
